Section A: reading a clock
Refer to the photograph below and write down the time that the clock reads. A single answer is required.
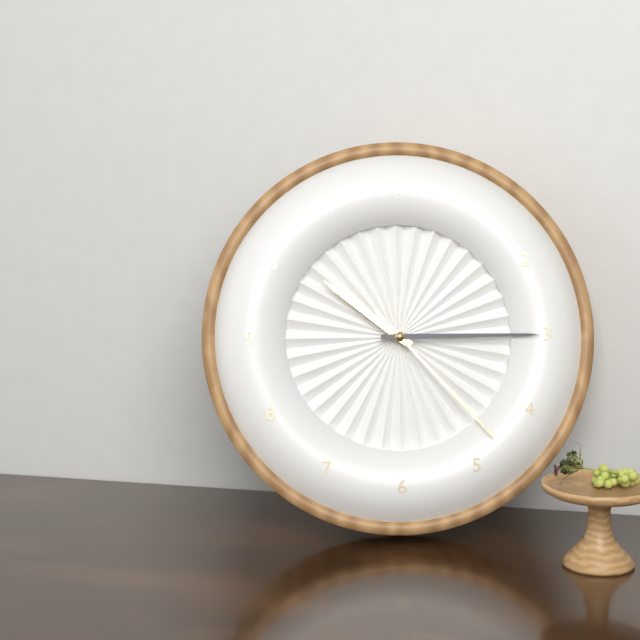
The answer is 10:15:23
